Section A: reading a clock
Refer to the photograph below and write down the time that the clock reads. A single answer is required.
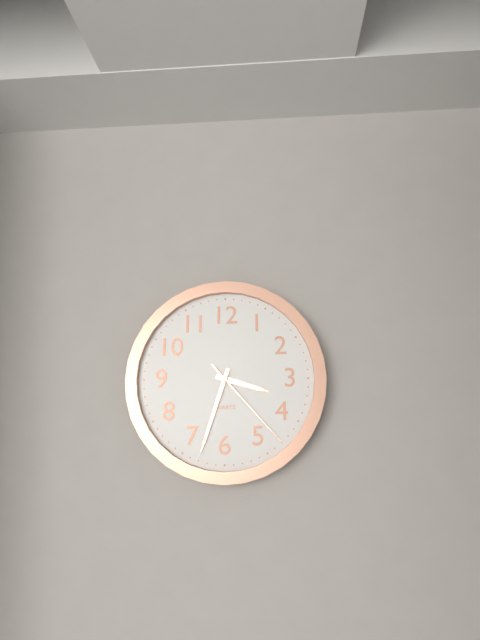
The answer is 3:33:23
